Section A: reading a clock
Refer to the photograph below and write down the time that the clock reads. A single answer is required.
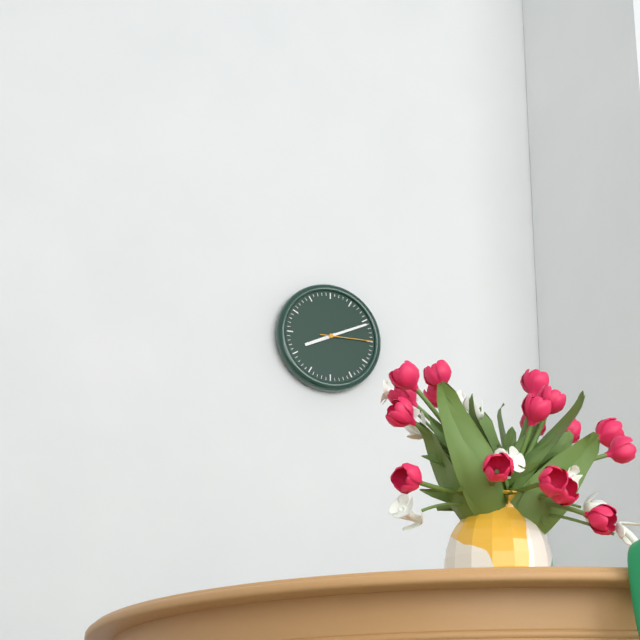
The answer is 8:11:15
